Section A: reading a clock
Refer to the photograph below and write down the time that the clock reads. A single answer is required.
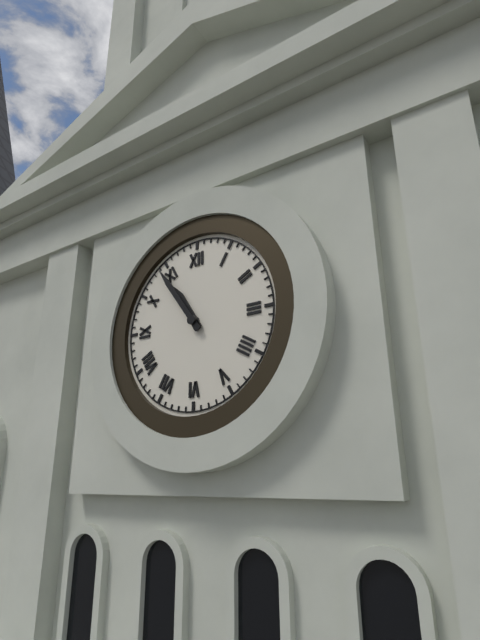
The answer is 10:54
